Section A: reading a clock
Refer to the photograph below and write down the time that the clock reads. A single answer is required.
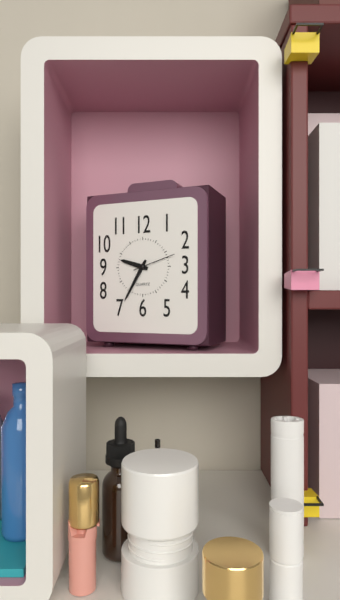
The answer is 9:35
